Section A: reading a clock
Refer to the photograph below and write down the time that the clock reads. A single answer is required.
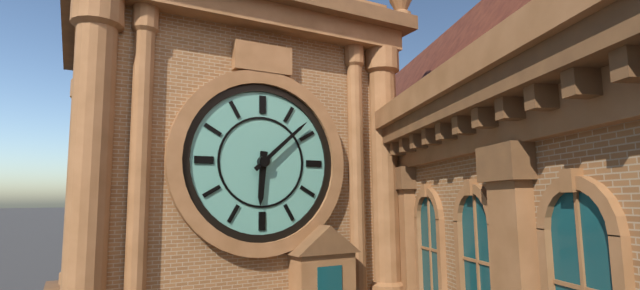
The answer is 6:08
